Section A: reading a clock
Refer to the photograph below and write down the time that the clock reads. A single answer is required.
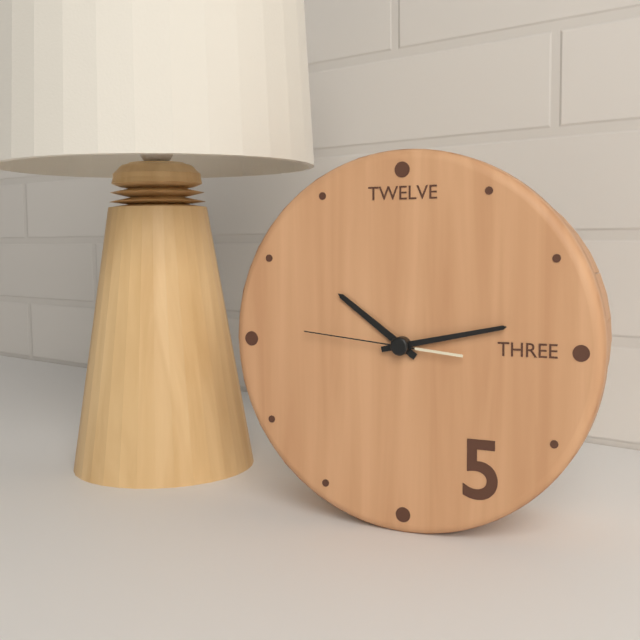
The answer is 10:13:46
